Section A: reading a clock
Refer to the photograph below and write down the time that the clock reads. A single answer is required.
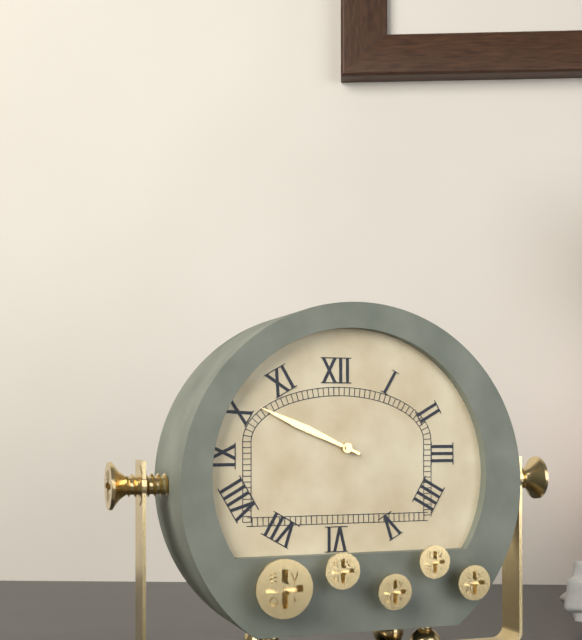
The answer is 9:49
